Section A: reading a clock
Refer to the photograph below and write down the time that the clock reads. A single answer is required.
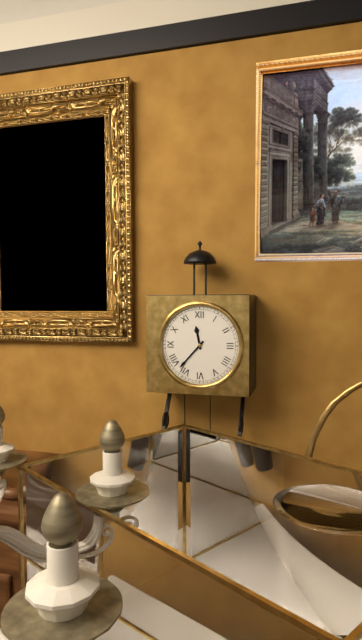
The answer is 11:37
